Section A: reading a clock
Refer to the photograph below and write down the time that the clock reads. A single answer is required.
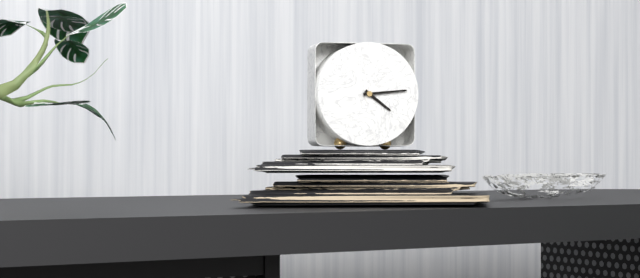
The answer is 4:14
